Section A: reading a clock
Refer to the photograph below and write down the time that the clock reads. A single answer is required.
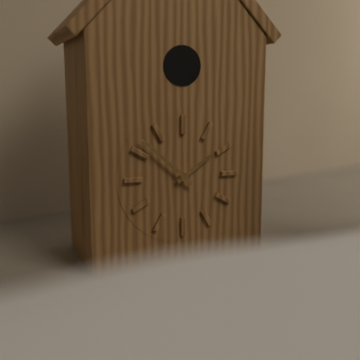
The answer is 1:52
